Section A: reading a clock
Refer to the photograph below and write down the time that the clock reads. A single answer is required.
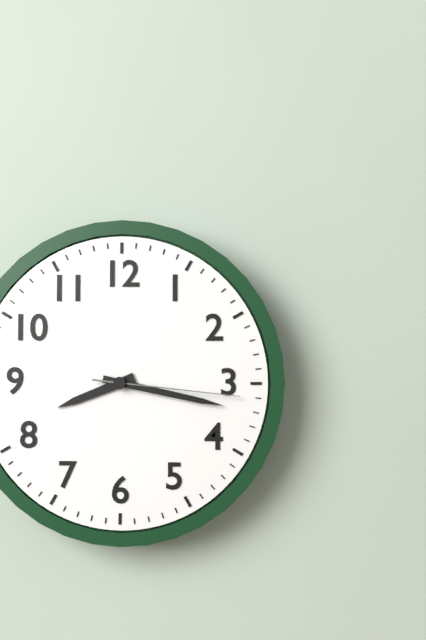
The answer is 8:17:16
